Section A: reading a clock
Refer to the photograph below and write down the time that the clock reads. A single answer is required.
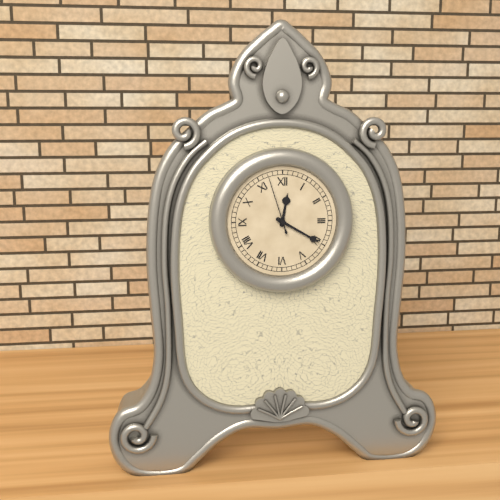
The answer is 12:20:57
